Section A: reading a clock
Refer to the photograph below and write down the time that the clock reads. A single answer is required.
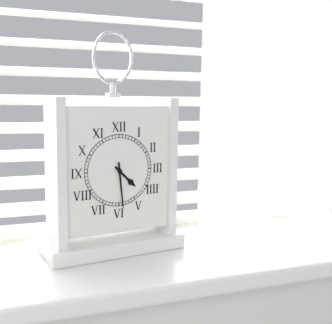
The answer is 4:29
